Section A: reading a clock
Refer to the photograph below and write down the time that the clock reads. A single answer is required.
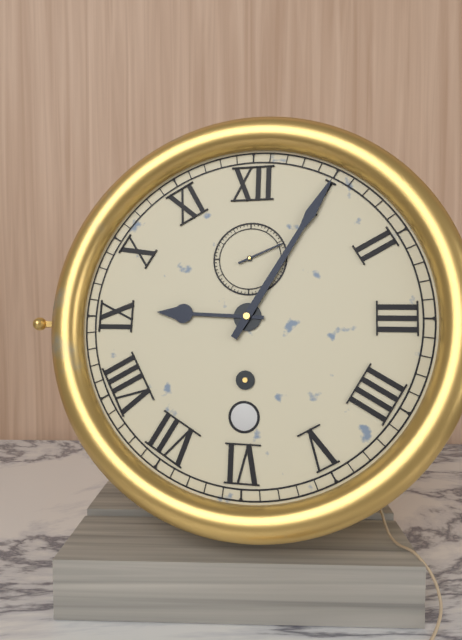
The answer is 9:05
